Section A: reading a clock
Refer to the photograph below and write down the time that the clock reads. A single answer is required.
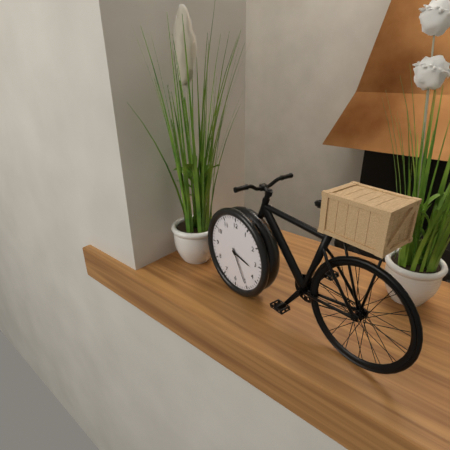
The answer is 3:25
